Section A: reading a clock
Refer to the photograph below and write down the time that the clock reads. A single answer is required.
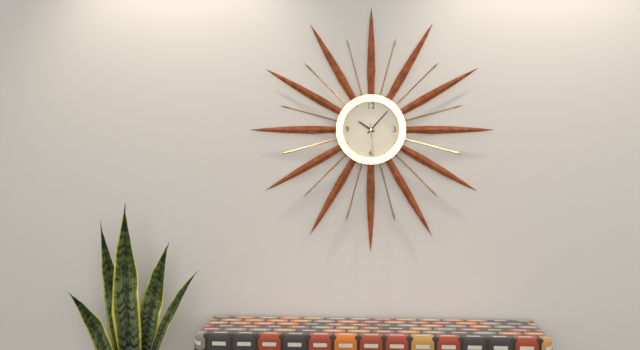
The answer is 10:07
